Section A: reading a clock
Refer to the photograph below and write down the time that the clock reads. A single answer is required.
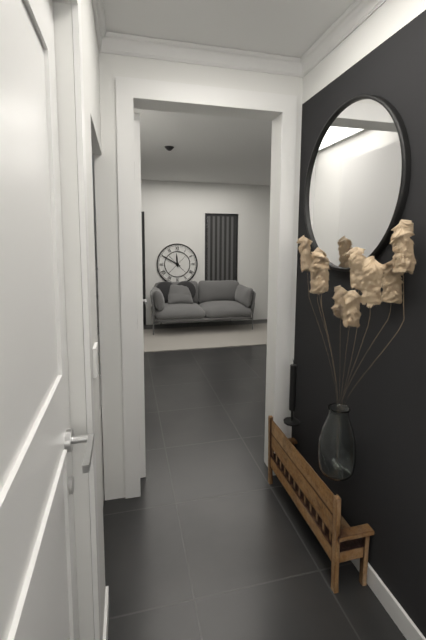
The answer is 11:50
